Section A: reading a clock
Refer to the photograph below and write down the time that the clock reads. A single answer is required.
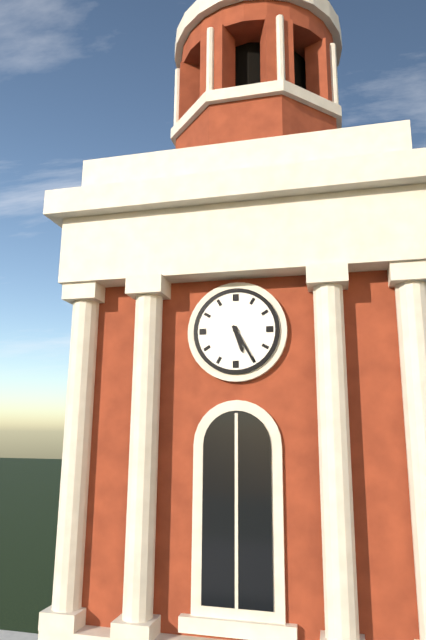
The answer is 5:25
